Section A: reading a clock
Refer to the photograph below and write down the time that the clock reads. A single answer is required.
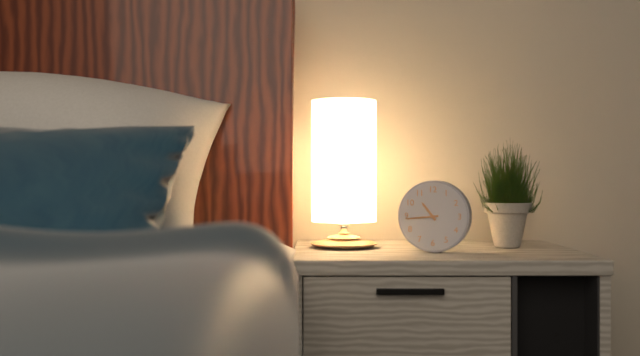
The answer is 10:44
